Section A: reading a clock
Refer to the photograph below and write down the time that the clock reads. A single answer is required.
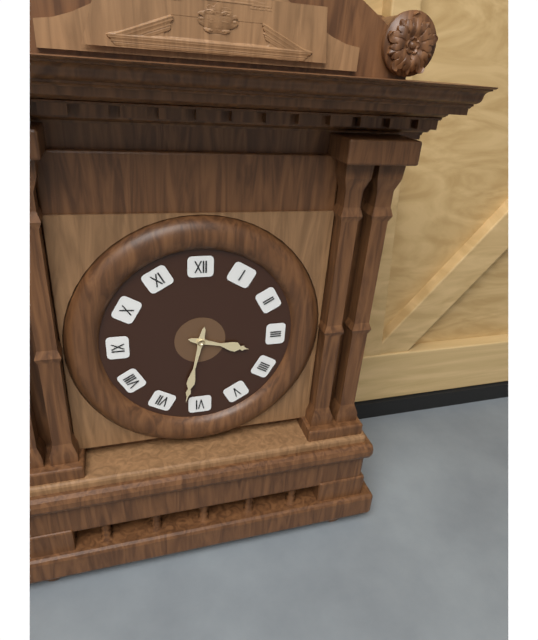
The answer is 3:32
